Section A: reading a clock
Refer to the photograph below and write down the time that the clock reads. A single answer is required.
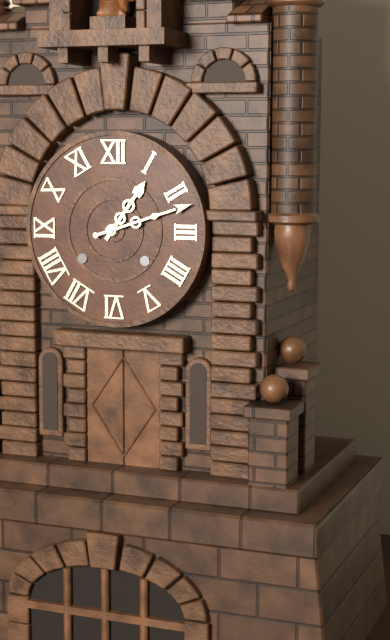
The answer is 1:12
